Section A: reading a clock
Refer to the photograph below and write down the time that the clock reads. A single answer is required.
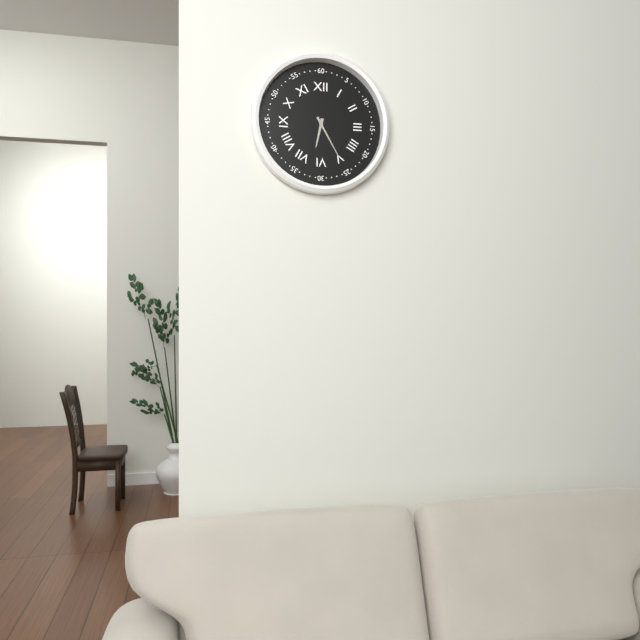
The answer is 6:25
